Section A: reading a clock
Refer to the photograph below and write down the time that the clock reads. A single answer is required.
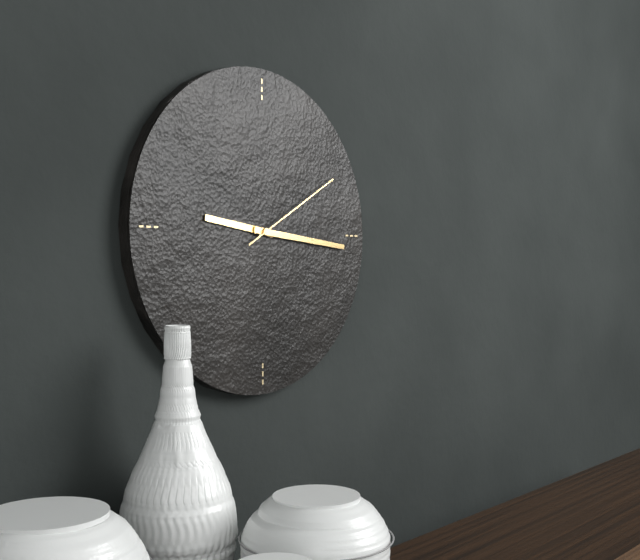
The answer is 9:16:10
